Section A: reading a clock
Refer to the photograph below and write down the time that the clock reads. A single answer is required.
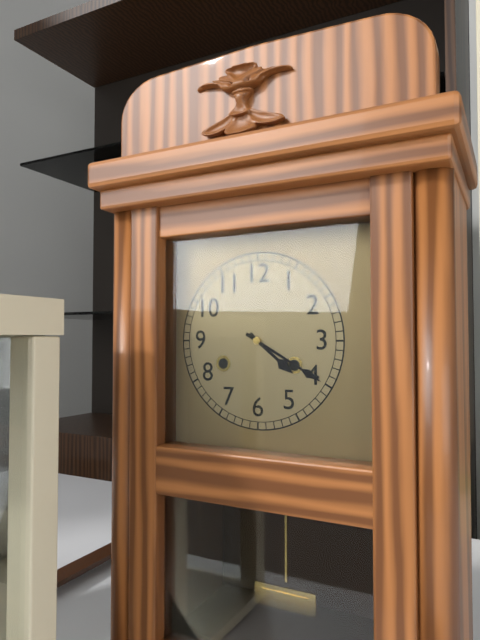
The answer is 4:20
